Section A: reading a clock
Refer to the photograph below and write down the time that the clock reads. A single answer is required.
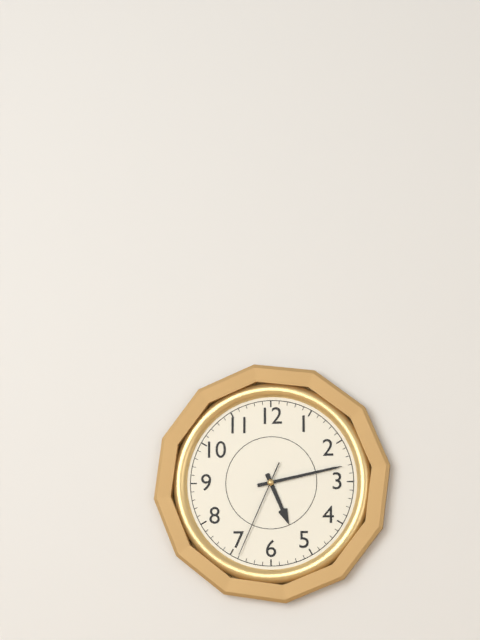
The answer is 5:13:34
